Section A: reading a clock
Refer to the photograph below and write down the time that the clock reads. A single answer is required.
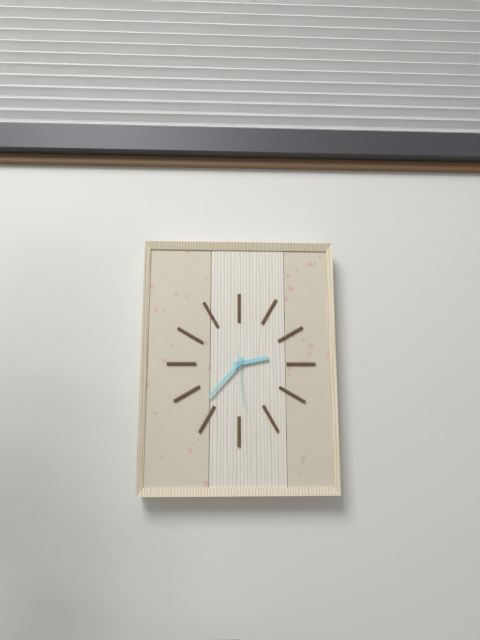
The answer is 2:37:29
